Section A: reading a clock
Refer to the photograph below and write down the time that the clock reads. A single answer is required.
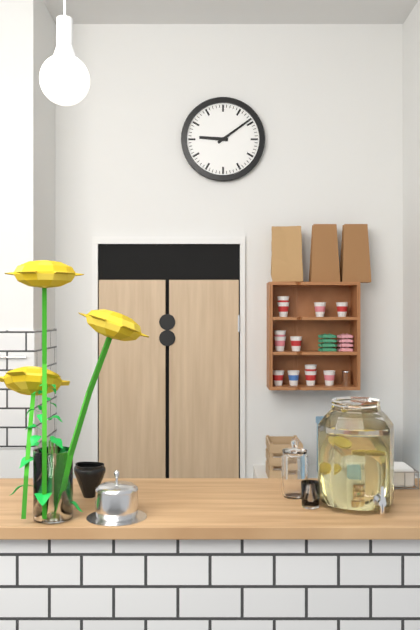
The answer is 9:09
